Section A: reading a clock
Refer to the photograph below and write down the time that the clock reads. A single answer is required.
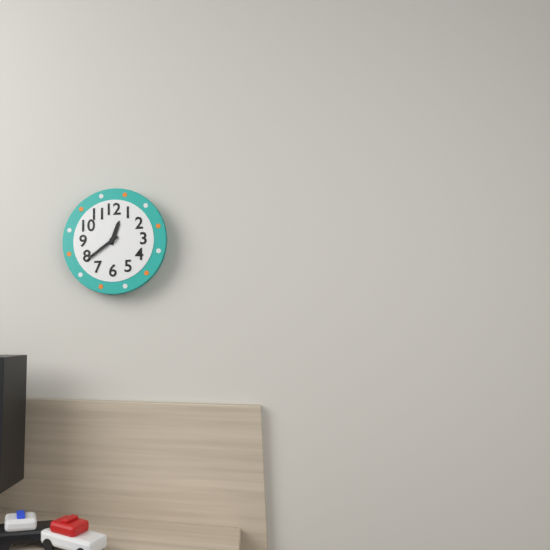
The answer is 12:39
